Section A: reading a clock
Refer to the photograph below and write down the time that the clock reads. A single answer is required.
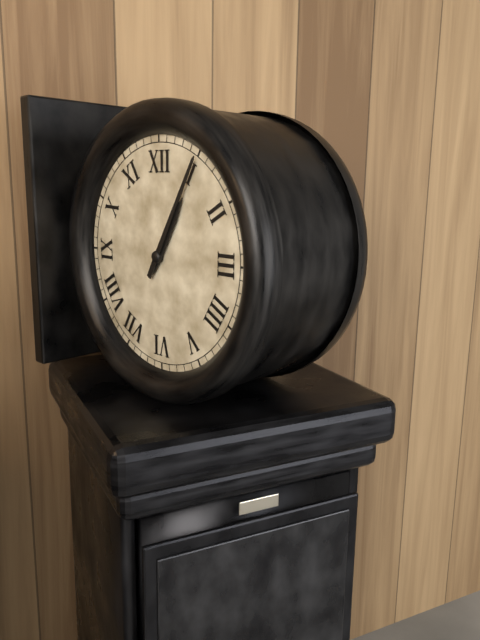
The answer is 1:05
